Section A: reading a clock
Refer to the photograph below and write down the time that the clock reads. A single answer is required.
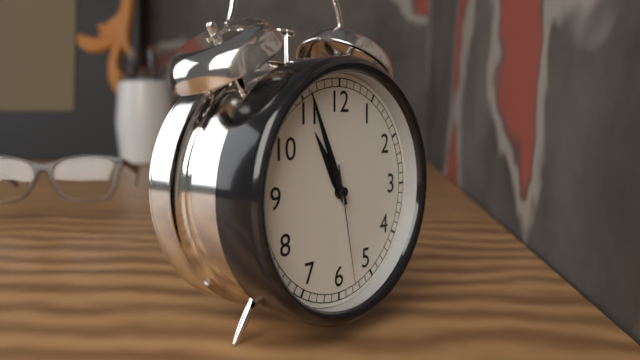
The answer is 10:56:28
